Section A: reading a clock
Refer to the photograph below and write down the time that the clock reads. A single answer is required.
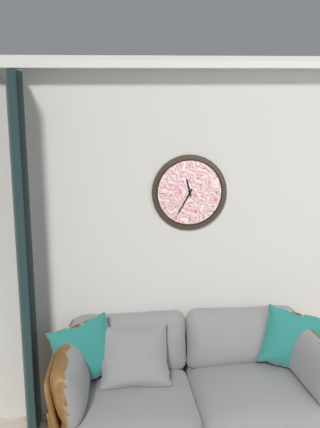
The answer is 11:35
